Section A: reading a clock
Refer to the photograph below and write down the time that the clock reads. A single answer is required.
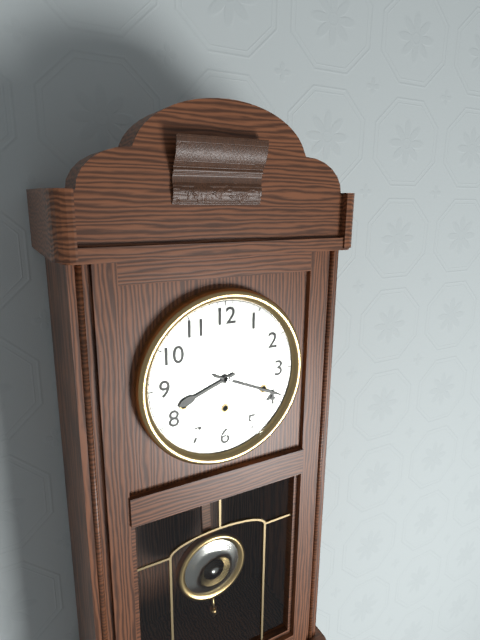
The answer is 8:19
